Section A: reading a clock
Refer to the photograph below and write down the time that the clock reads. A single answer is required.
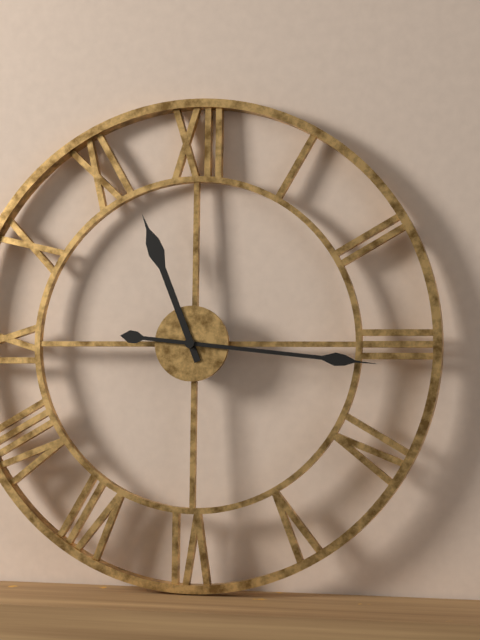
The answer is 11:16
